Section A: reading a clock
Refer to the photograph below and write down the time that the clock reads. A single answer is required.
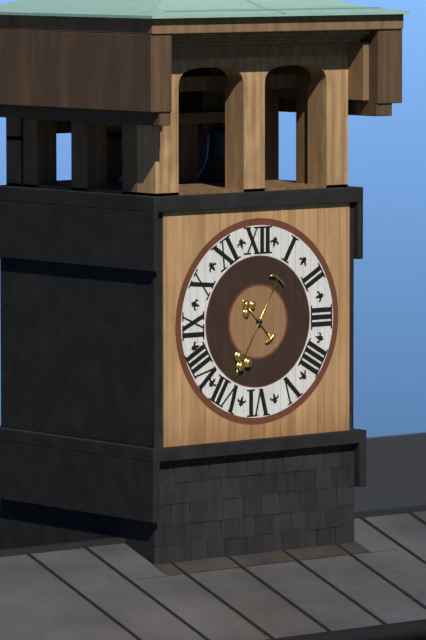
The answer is 10:35
